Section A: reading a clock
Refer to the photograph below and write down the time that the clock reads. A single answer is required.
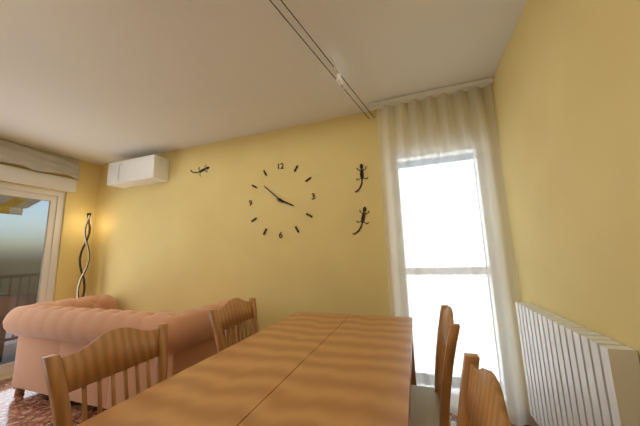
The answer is 3:52
